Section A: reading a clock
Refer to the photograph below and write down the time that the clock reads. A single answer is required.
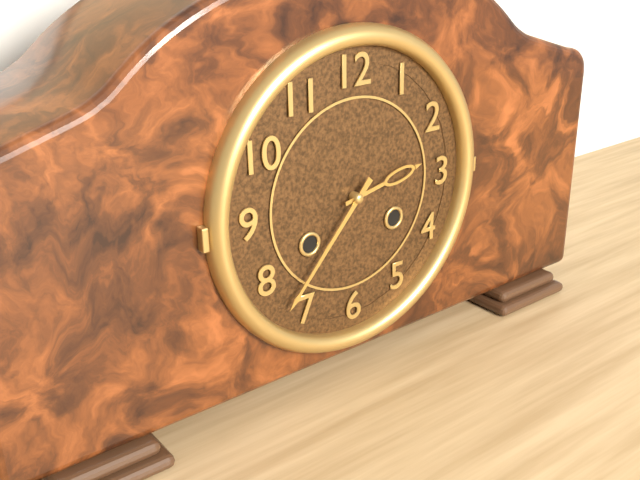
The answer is 2:37
